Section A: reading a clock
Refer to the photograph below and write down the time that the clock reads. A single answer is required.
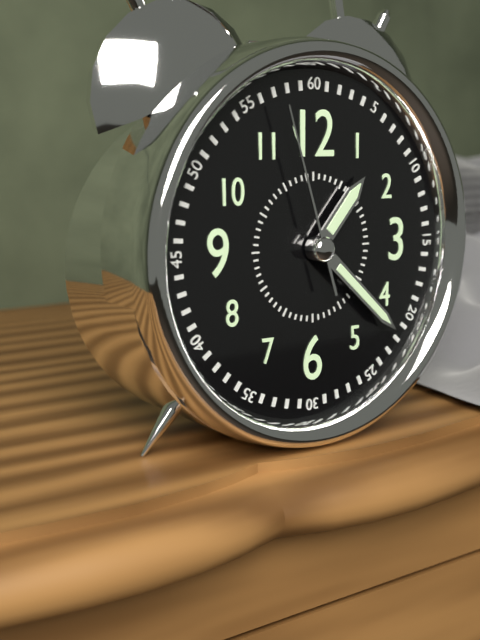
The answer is 1:22:57
